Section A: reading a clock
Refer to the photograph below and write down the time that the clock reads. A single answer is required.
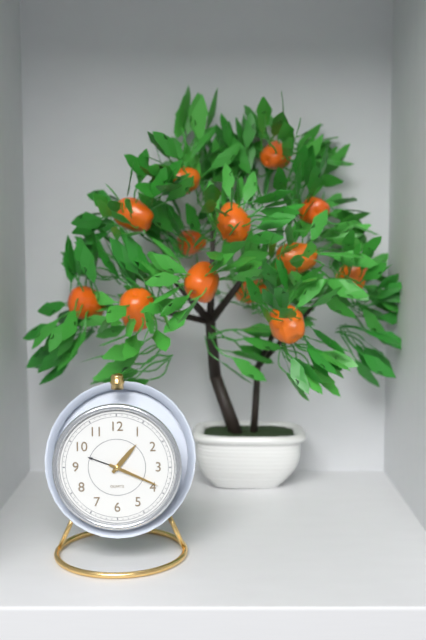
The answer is 1:19
